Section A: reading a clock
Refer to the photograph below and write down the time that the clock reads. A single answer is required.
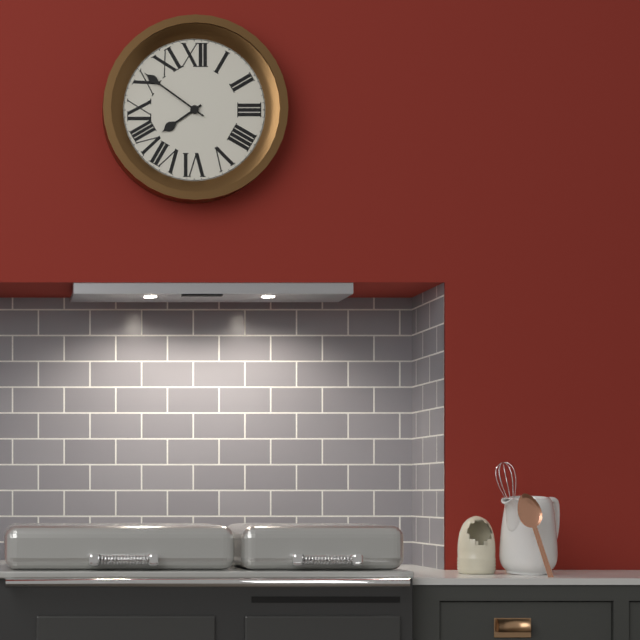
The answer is 7:51
